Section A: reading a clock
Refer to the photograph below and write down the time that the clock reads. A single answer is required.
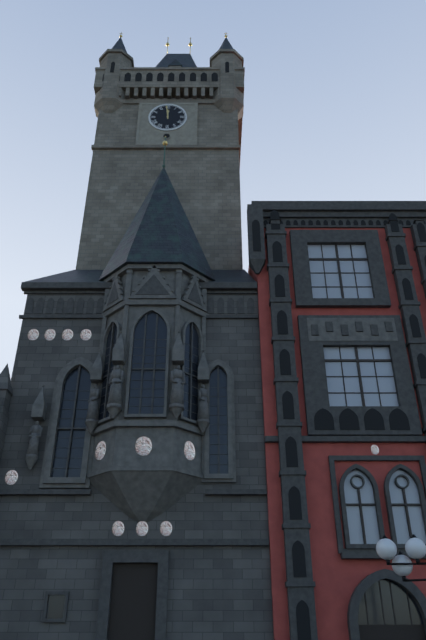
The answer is 11:59
